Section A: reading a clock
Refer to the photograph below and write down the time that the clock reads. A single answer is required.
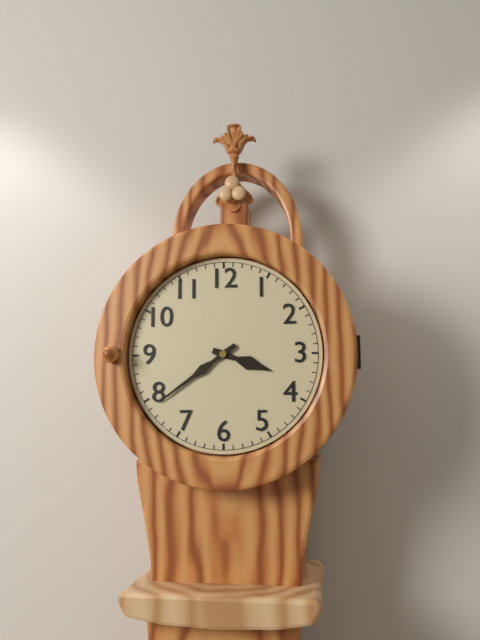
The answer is 3:39
